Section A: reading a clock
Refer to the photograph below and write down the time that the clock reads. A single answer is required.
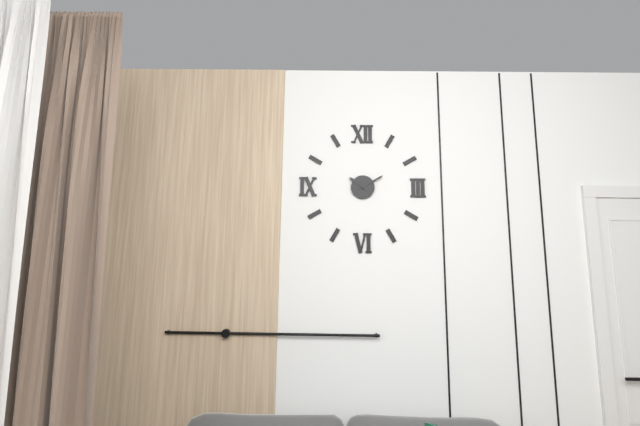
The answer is 10:10
